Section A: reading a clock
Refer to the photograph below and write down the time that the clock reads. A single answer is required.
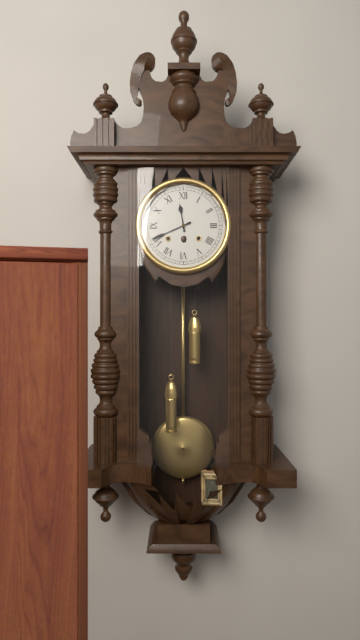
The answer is 11:41
